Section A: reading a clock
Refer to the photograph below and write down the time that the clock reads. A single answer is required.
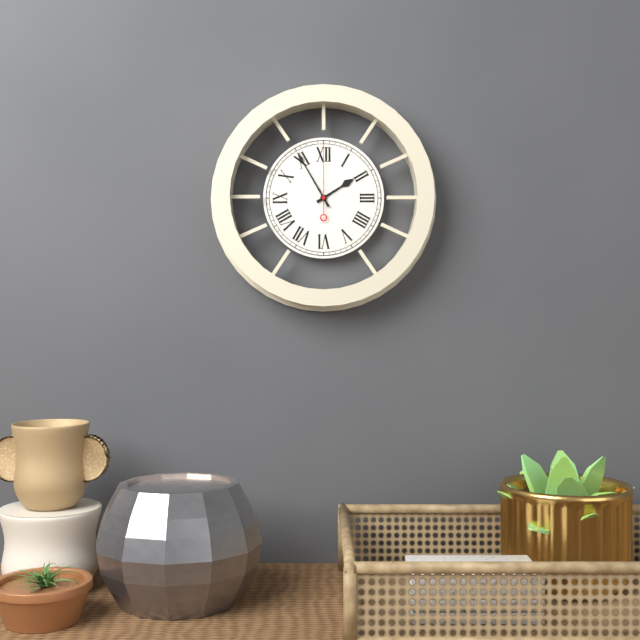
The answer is 1:55:00
